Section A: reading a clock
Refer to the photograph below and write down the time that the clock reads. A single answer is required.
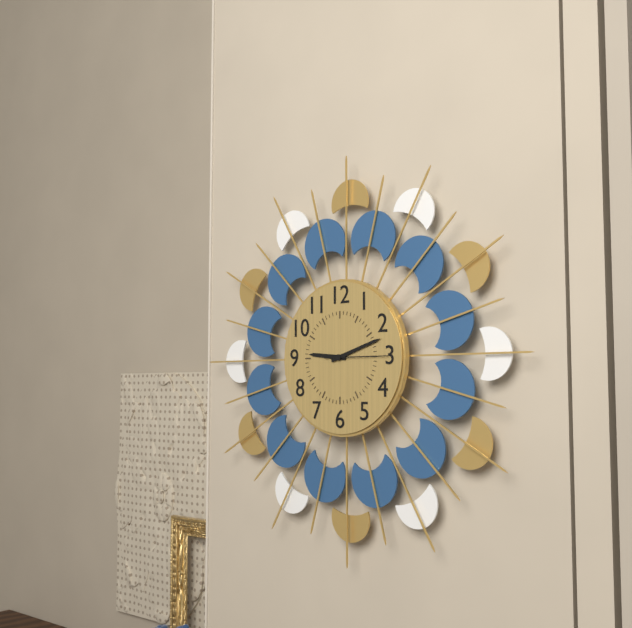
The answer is 9:12:15
